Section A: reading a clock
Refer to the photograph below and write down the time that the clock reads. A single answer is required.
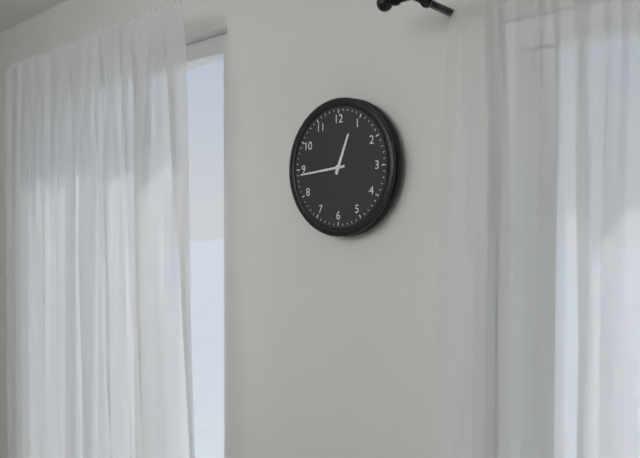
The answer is 12:44
